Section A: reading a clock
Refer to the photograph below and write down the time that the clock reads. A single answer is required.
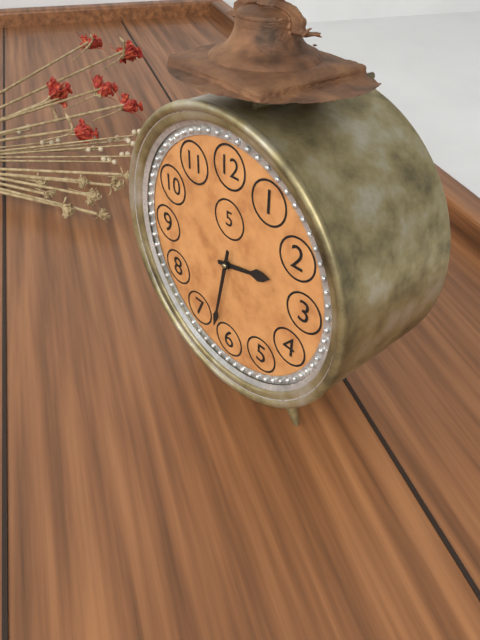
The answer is 2:32
